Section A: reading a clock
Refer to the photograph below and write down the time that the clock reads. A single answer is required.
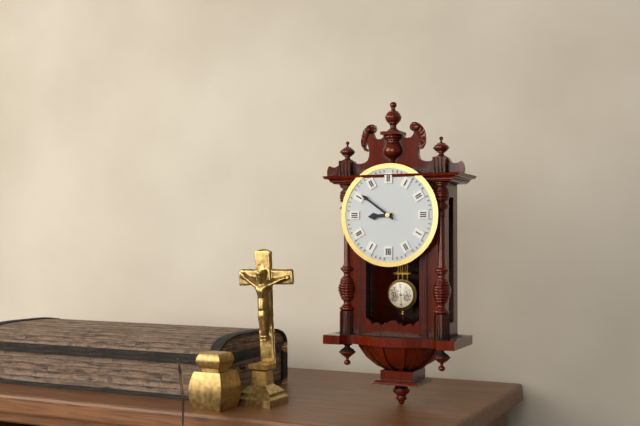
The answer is 8:51
